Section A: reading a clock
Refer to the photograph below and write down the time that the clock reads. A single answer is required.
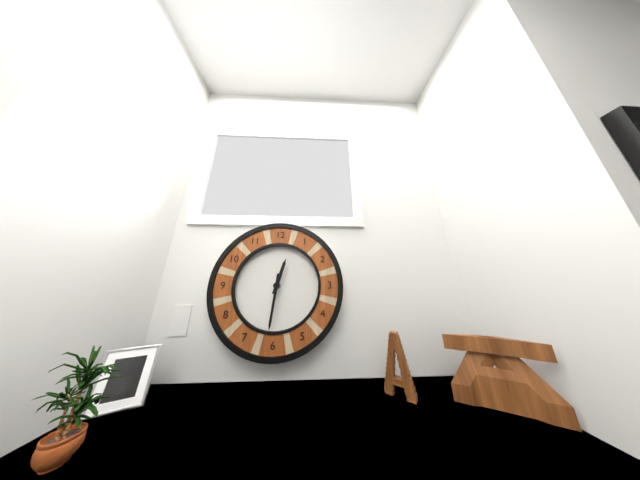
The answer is 12:31
